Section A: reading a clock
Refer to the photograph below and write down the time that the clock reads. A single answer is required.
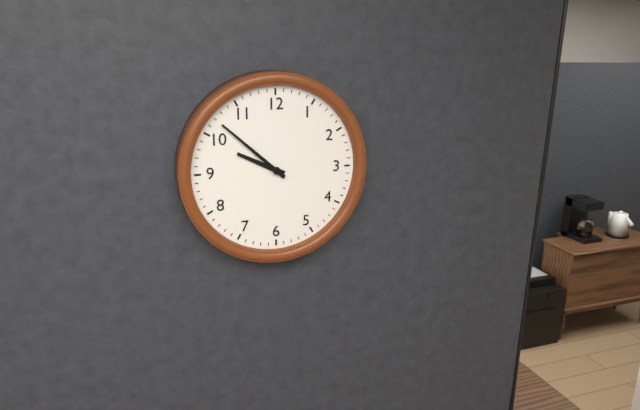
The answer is 9:52
